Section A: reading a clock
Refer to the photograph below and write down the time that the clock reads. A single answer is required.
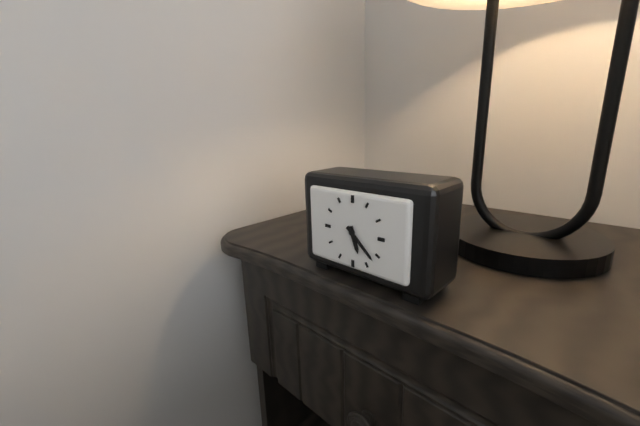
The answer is 5:22
